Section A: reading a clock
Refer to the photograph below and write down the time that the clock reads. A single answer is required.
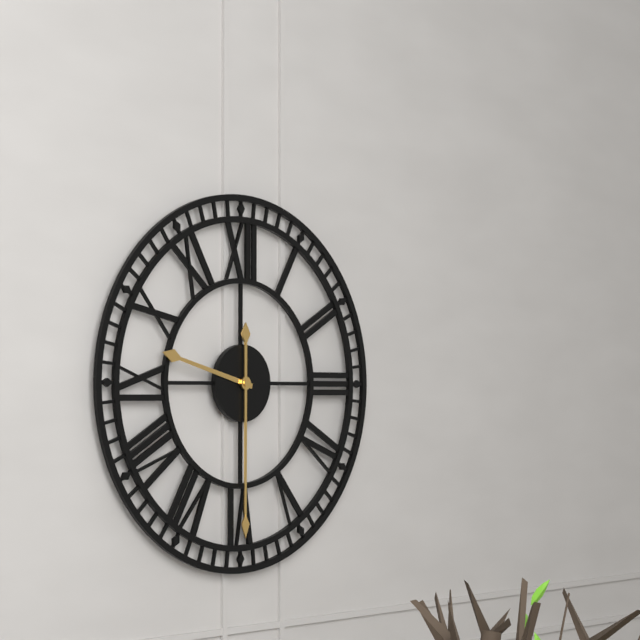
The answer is 9:30
